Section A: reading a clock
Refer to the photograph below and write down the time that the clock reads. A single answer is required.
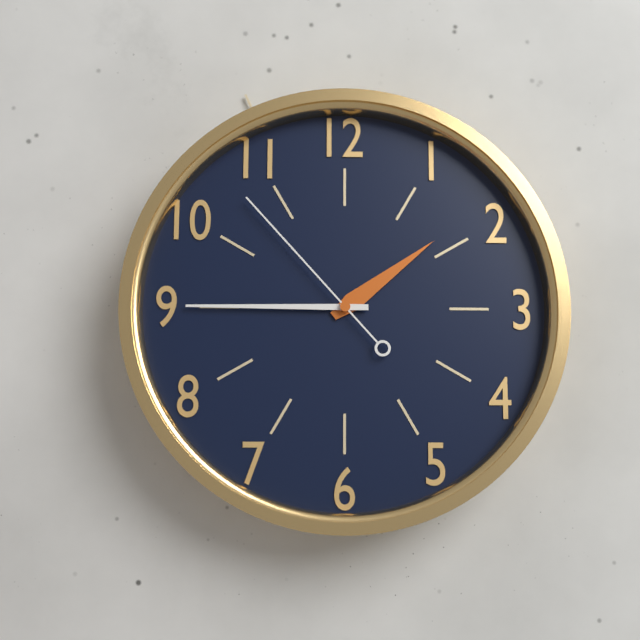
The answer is 1:45:53
